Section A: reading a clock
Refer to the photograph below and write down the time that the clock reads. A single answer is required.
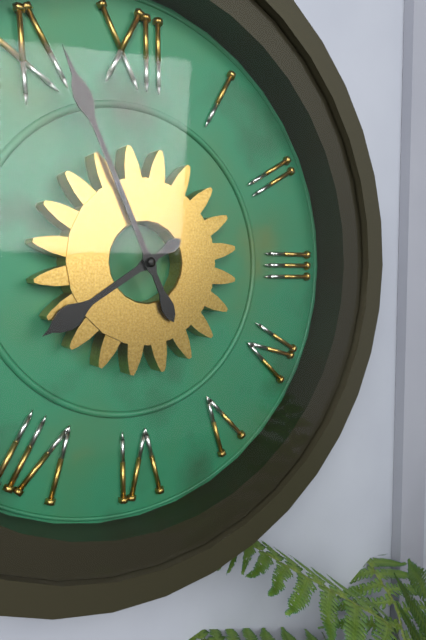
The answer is 7:56
